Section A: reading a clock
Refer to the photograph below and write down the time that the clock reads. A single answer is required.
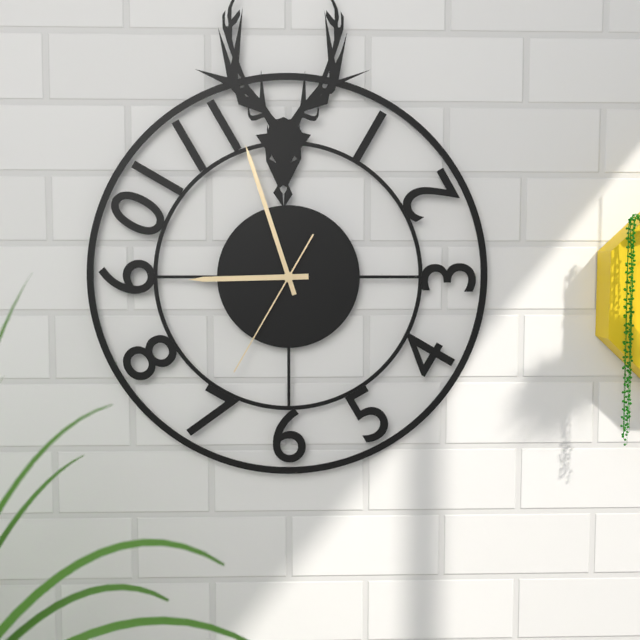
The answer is 8:57:35
